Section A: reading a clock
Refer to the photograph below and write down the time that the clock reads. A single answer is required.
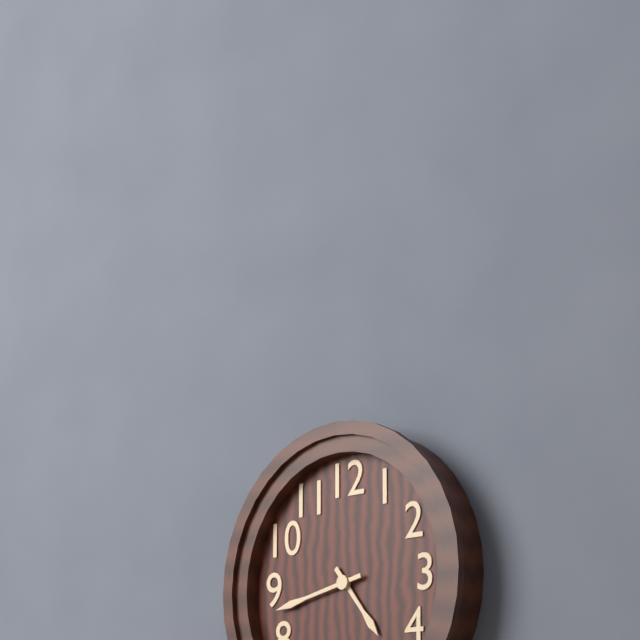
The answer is 4:43
